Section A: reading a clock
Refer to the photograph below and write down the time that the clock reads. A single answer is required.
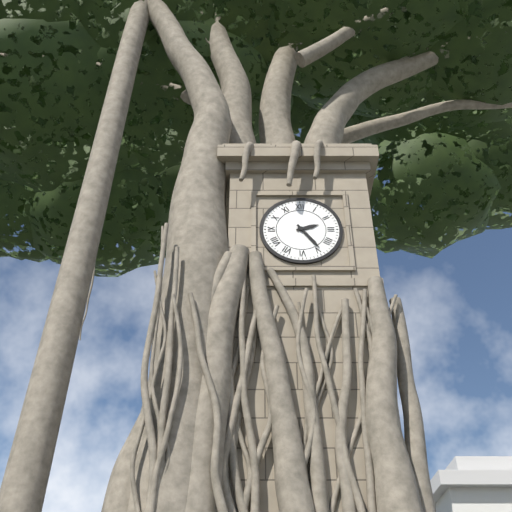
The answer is 2:24
